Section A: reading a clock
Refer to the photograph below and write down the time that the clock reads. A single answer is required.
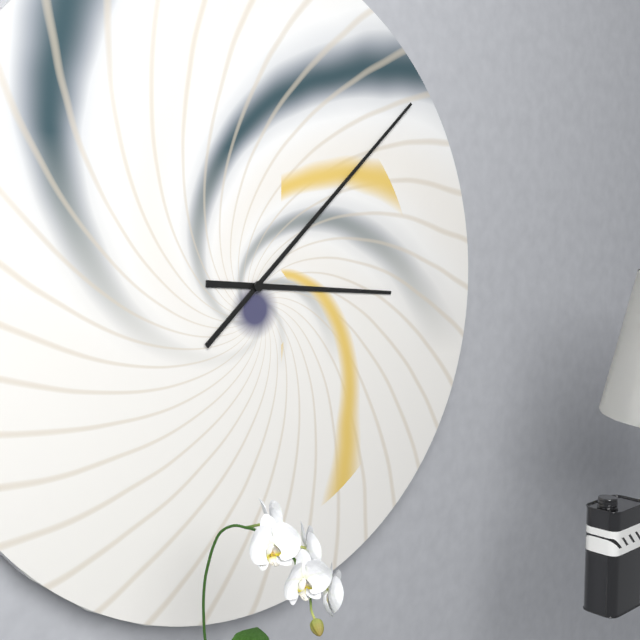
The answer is 3:08
